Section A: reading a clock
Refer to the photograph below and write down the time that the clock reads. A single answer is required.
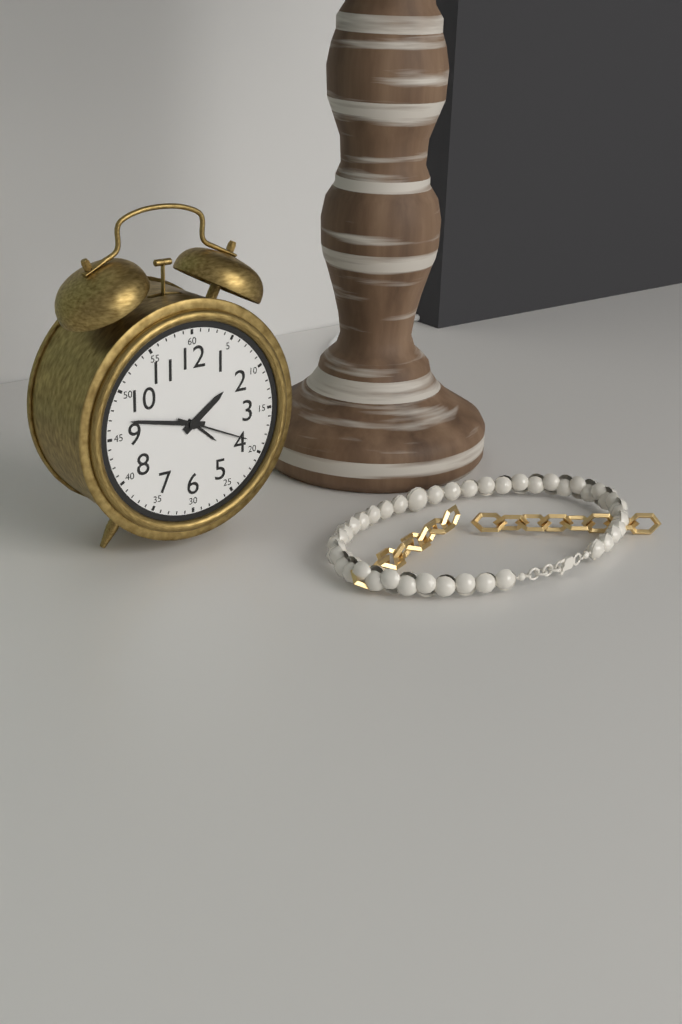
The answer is 1:47:19
